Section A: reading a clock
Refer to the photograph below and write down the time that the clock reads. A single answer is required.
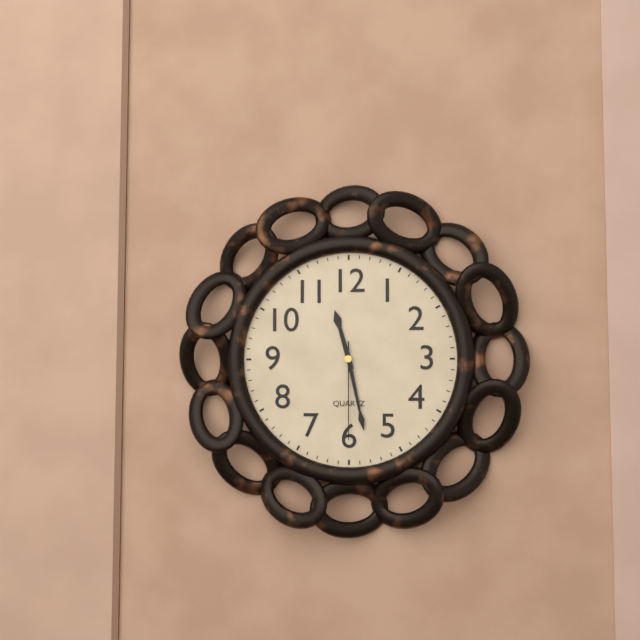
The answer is 11:28:30
